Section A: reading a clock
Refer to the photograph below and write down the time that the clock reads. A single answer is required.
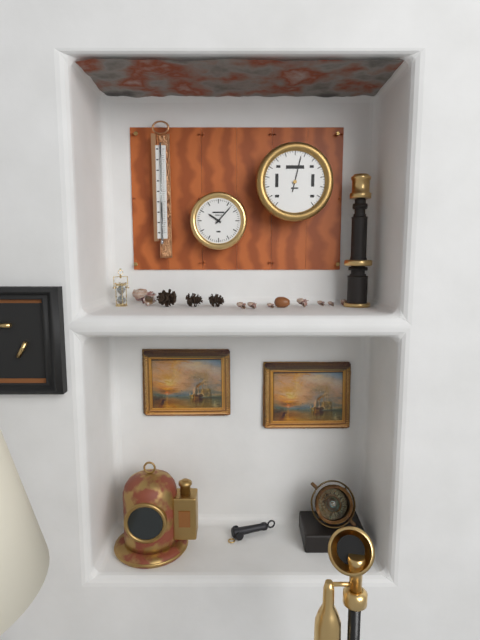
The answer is 10:07
